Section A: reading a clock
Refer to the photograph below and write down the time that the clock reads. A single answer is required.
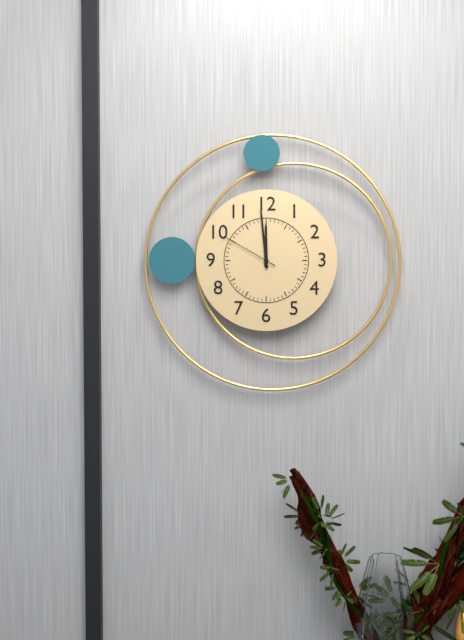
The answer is 11:59:50
